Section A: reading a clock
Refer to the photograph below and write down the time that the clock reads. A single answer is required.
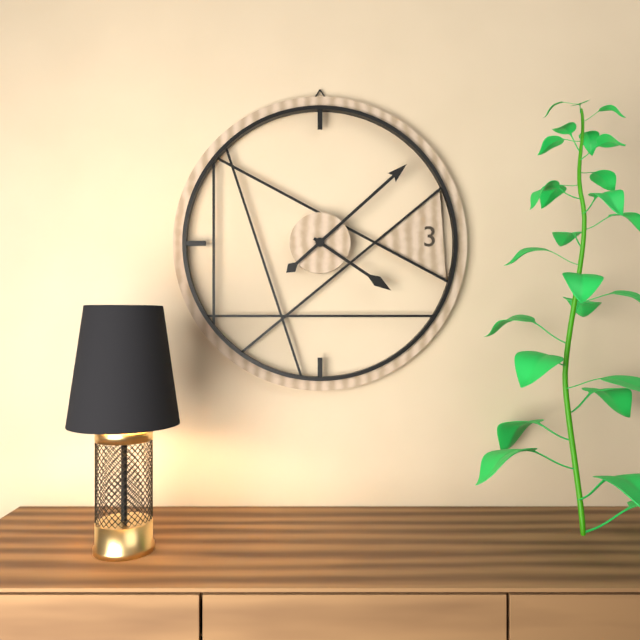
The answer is 4:08
